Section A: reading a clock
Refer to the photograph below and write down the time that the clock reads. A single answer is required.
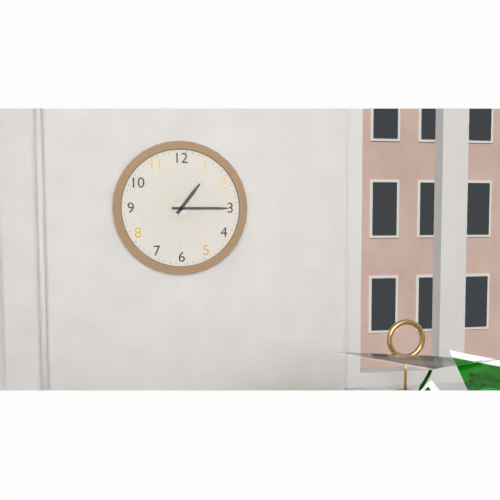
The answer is 1:15
